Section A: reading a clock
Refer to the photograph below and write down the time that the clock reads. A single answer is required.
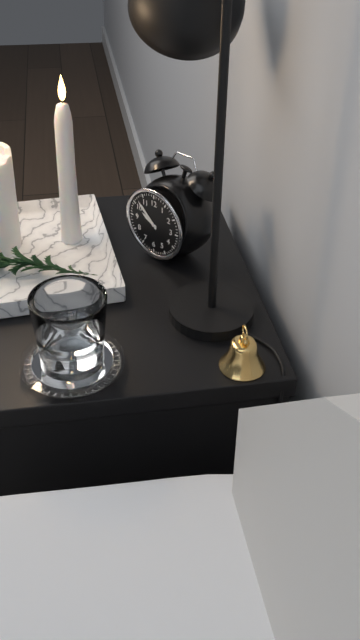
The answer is 9:52
